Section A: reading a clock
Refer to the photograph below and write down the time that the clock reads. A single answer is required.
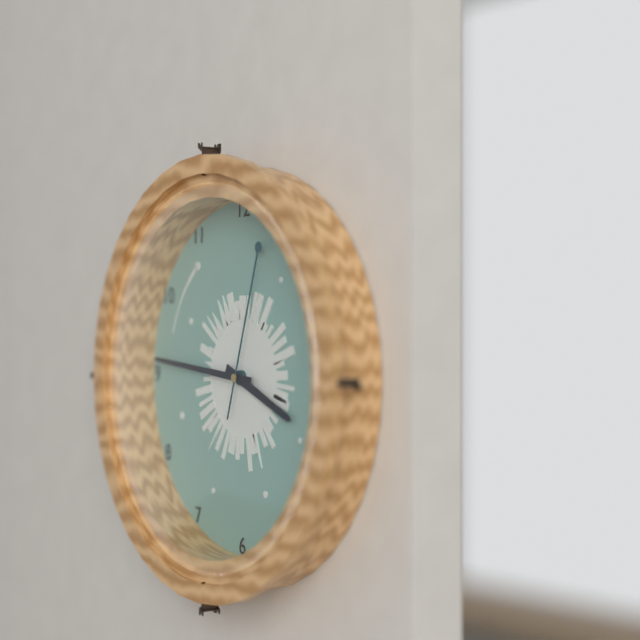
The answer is 3:46:03
